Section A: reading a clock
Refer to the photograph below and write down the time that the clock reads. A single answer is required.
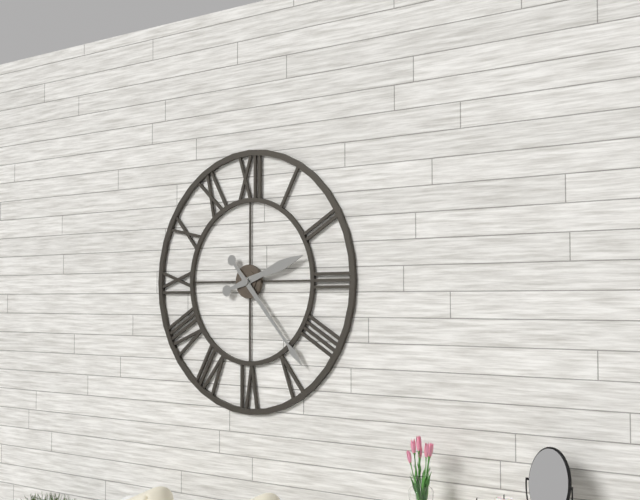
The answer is 2:23
